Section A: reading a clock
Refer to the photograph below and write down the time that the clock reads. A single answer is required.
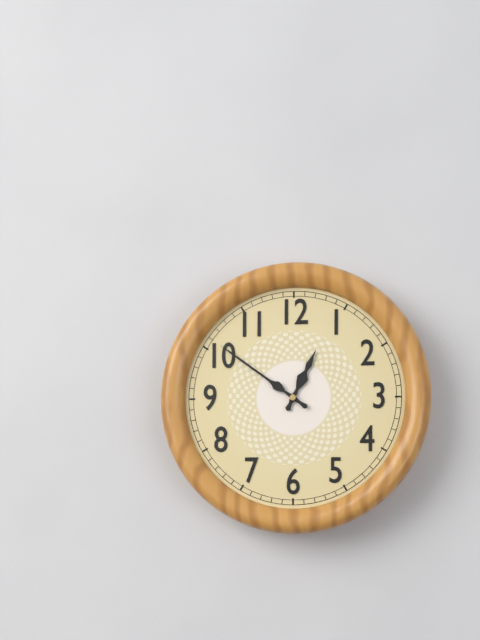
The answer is 12:51
